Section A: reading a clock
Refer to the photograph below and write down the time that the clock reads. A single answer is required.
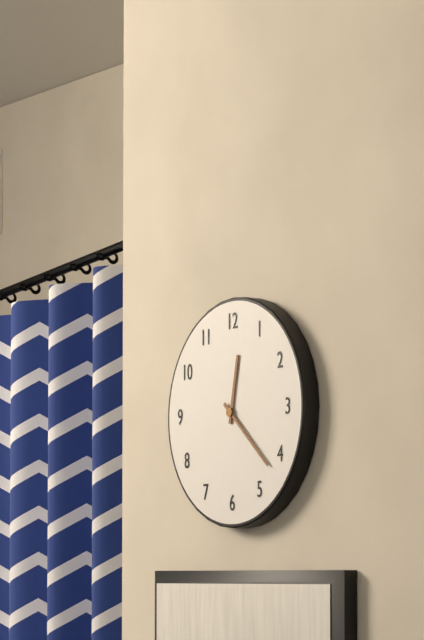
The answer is 12:22
